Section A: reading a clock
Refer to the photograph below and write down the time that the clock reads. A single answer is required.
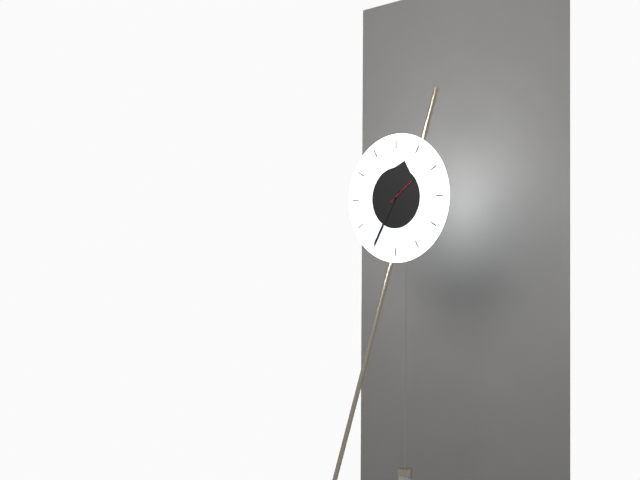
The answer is 12:35:09
